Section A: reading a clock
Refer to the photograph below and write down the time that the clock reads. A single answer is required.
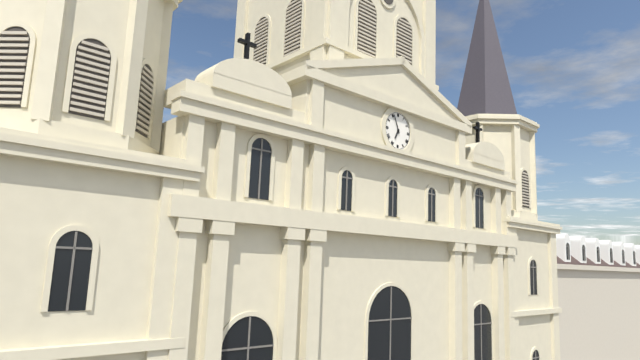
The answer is 6:56
